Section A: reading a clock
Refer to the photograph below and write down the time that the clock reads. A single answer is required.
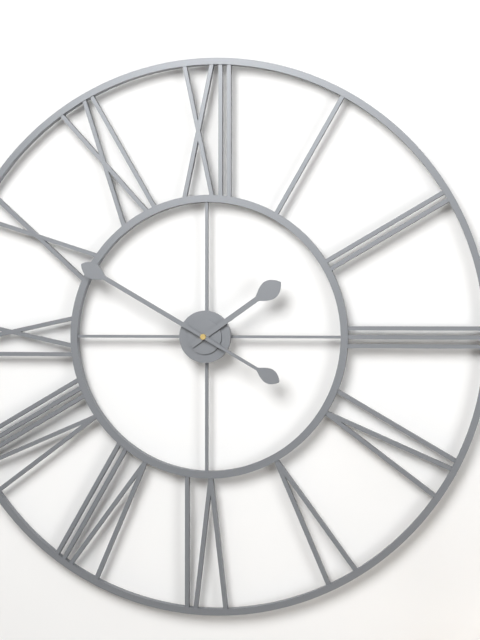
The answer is 1:50:20
